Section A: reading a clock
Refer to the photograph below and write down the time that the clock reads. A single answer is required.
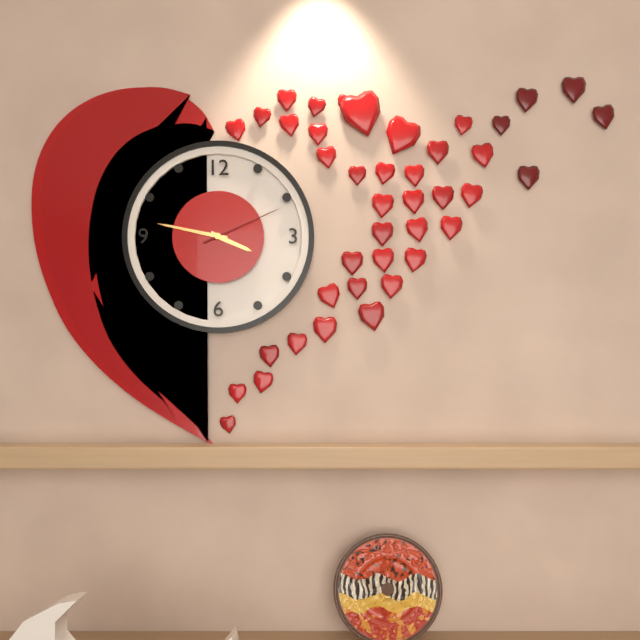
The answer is 3:47:11
